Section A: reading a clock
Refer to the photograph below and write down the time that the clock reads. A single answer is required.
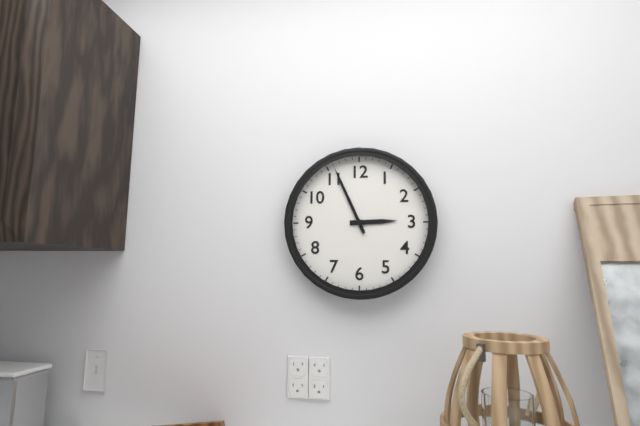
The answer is 2:56
